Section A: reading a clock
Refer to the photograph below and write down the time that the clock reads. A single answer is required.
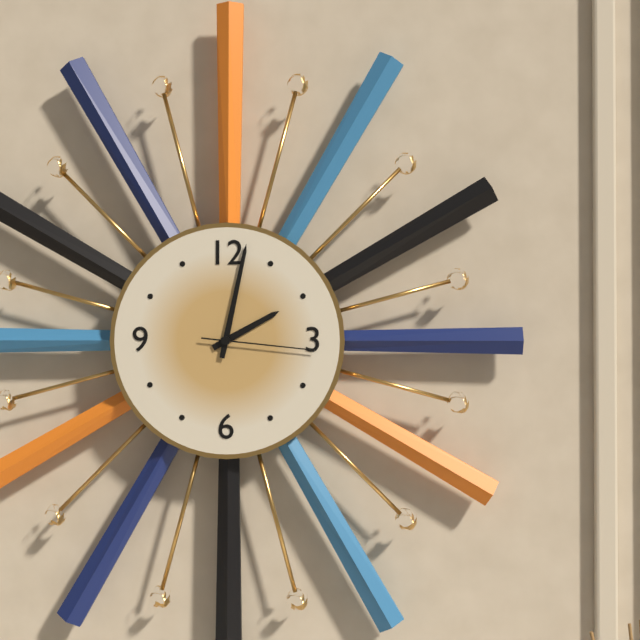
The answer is 2:02:16
